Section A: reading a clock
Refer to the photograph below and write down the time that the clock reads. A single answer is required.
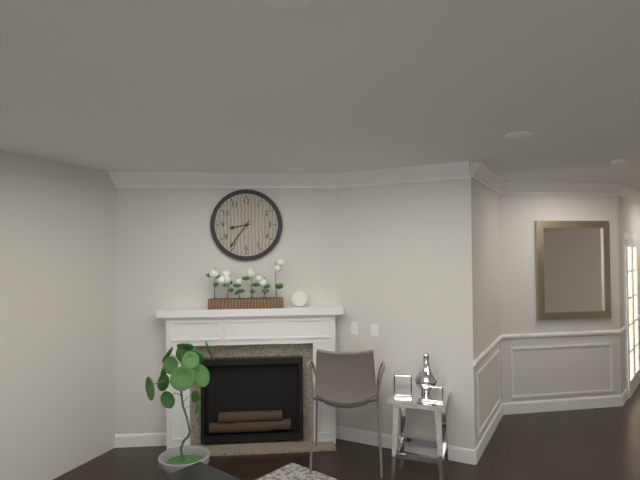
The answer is 8:36
